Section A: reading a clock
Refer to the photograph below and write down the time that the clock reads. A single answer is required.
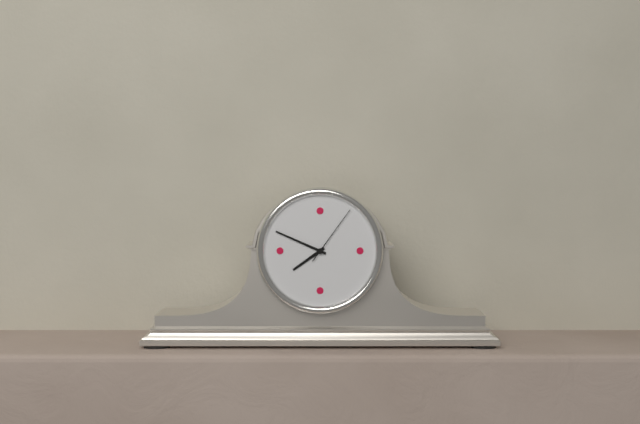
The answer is 7:49:06
